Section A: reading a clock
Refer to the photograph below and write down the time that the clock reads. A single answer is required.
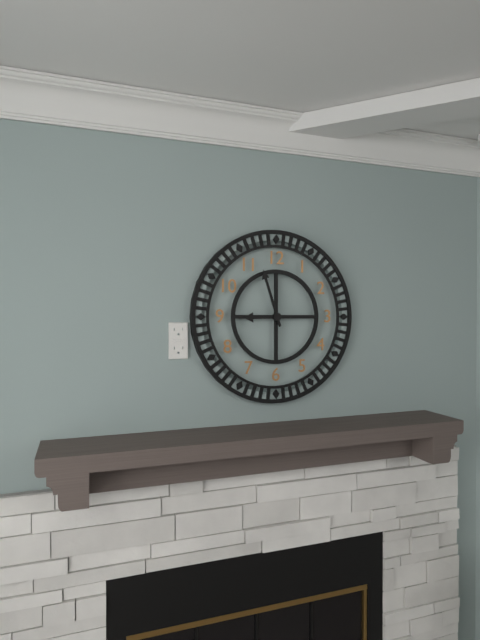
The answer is 8:57
